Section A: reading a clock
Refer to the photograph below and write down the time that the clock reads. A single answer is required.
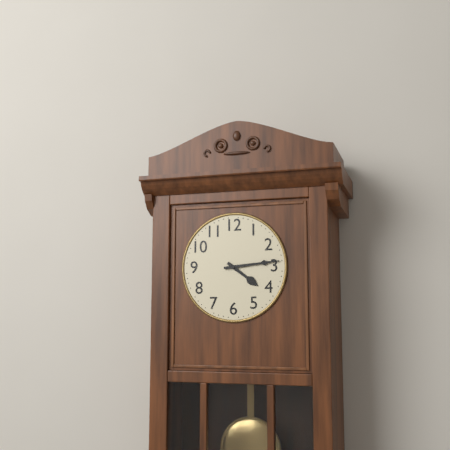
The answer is 4:14
